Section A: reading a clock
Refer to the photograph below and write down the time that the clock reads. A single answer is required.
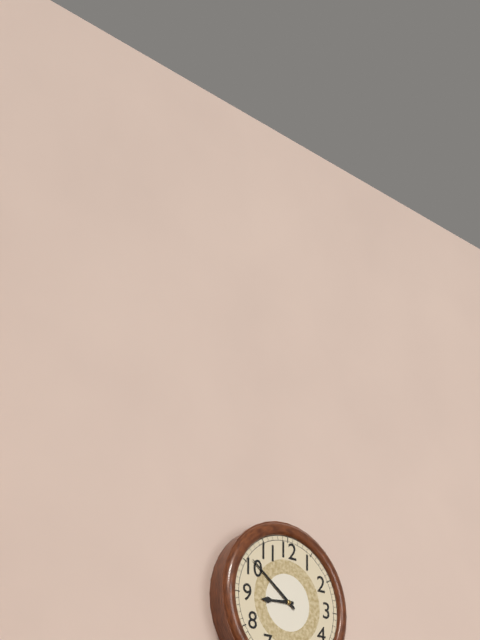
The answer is 8:51
